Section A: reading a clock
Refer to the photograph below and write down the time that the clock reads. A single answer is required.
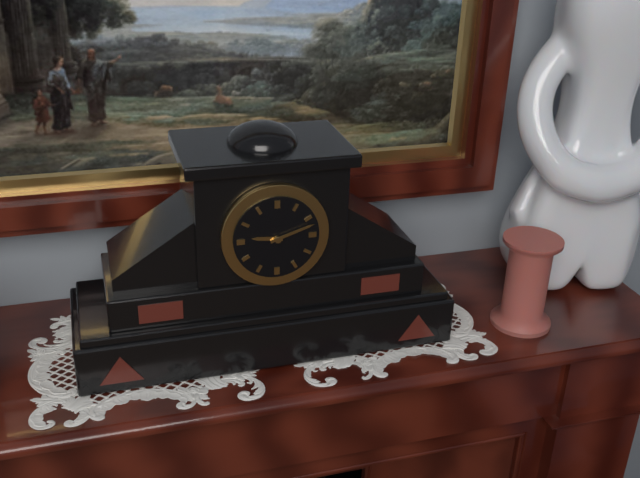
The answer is 9:12
